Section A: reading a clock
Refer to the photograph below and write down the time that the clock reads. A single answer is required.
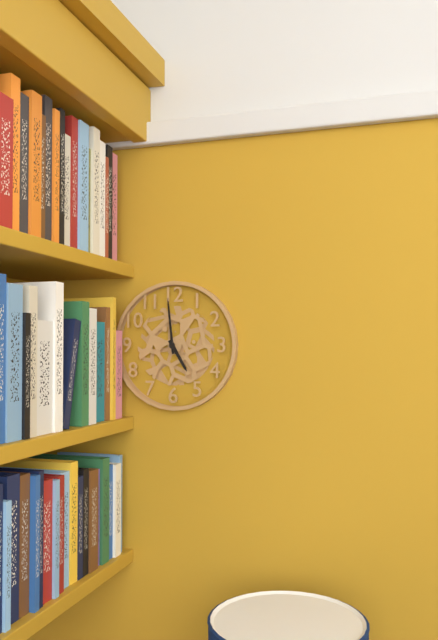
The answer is 4:59
